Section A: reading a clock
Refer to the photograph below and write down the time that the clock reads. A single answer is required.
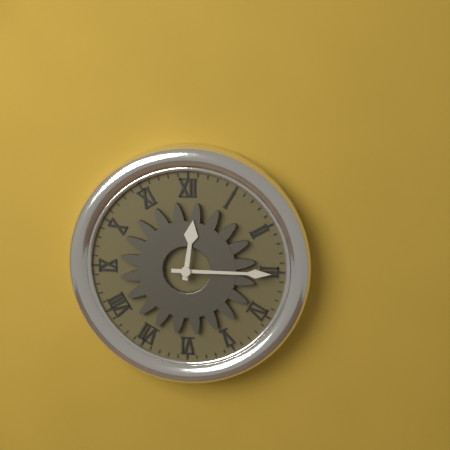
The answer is 12:15
